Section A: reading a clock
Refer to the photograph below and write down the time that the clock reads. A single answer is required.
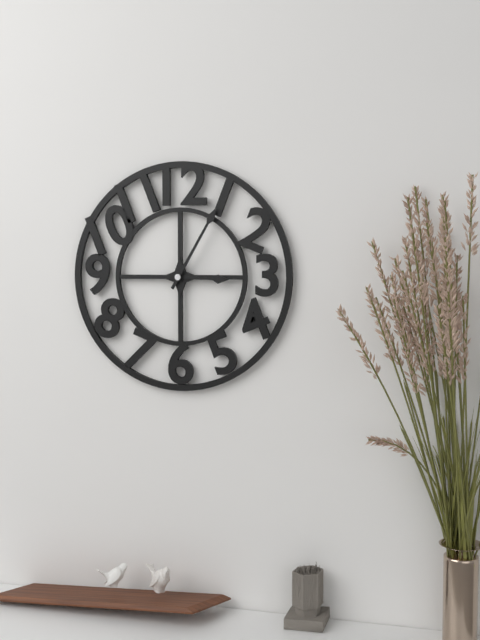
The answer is 3:05
